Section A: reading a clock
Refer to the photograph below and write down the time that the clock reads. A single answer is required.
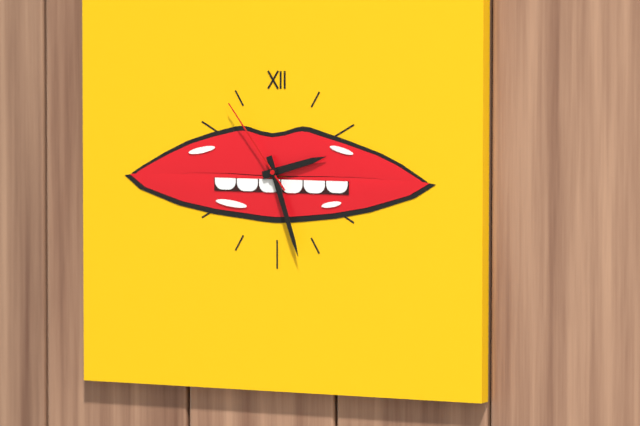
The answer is 2:27:54
